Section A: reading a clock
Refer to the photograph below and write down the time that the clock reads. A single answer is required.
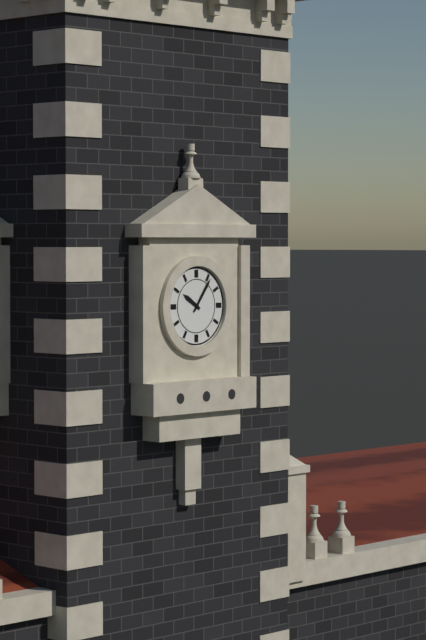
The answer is 10:06
